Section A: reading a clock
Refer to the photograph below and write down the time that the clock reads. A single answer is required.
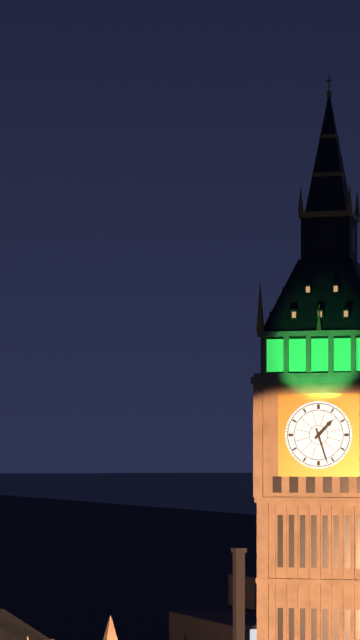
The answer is 1:27
